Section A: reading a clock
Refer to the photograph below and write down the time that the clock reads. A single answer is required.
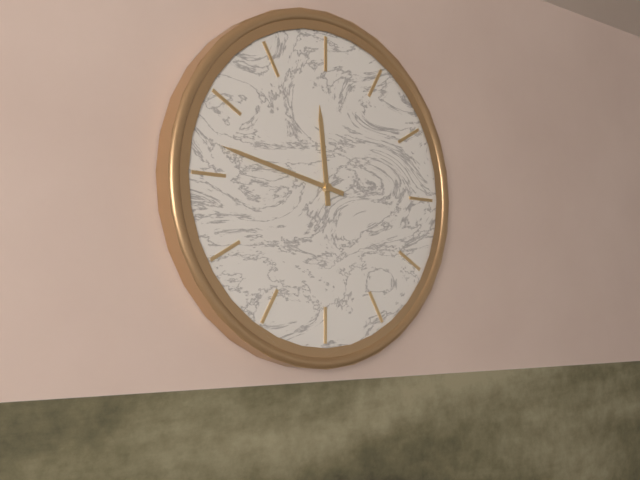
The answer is 11:47
